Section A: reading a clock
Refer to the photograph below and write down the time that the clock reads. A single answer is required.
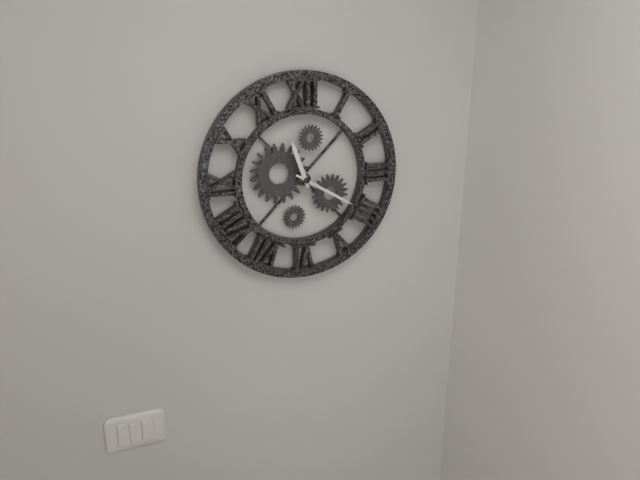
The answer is 11:20
